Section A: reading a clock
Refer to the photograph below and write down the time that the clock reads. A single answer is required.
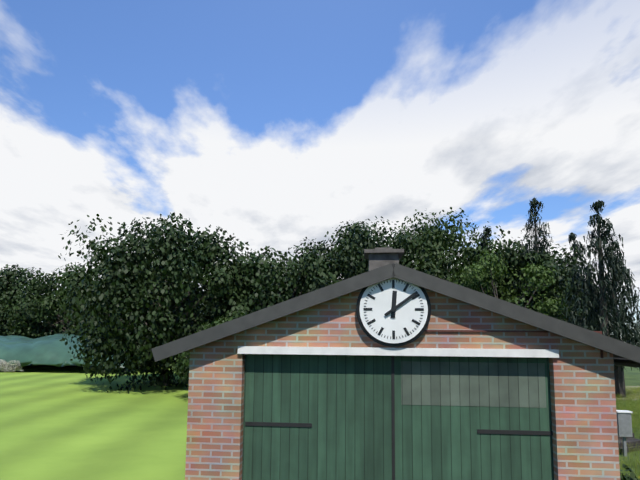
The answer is 12:09
